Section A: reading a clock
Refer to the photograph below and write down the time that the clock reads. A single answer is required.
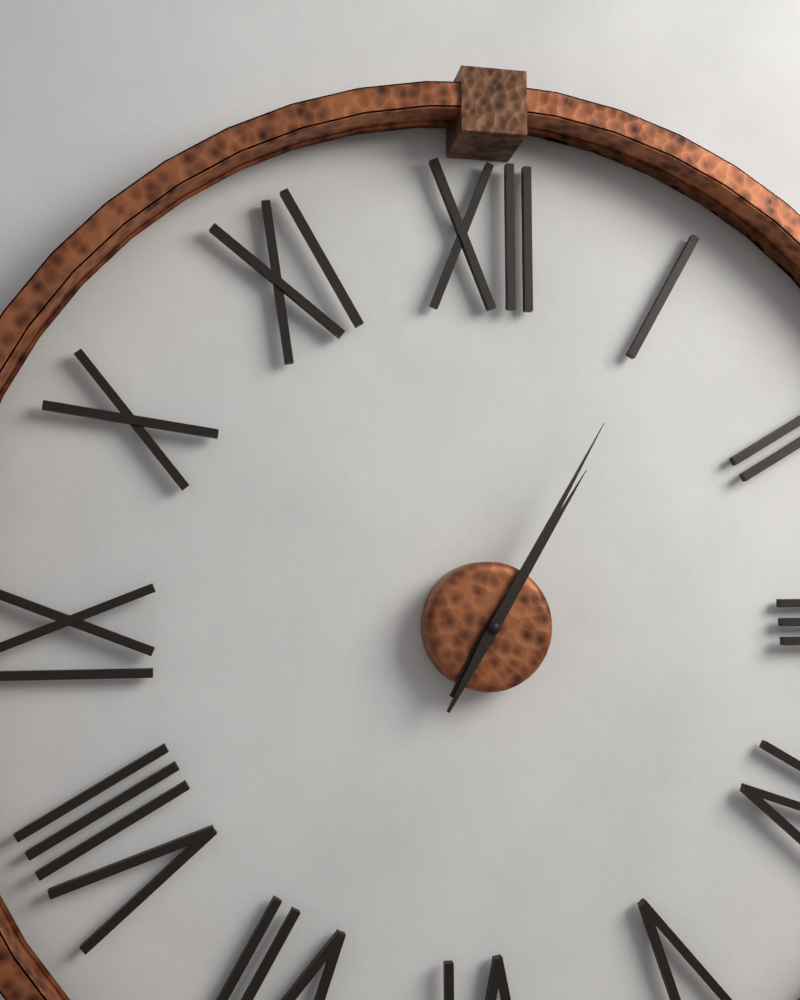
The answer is 1:05
